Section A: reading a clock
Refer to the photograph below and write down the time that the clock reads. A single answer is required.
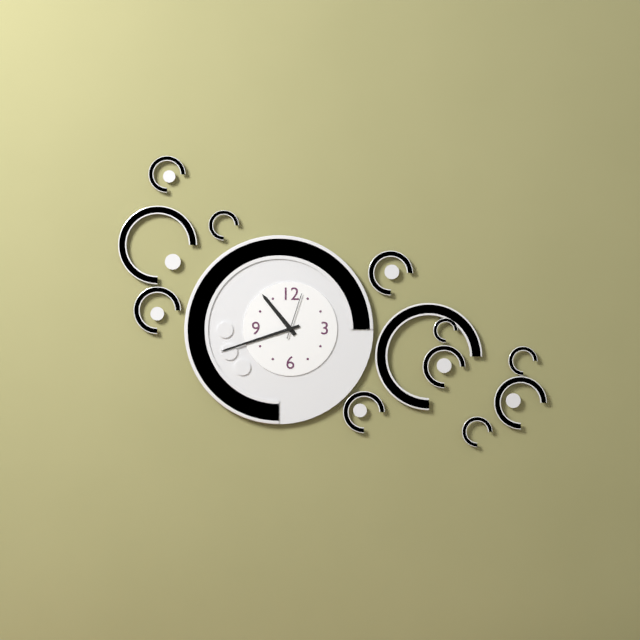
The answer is 10:42
